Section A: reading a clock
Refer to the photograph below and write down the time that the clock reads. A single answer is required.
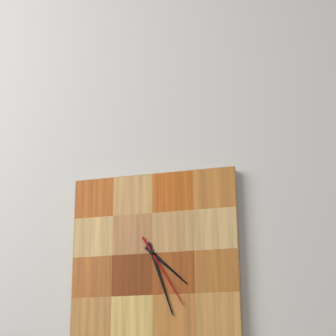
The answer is 4:27:25
